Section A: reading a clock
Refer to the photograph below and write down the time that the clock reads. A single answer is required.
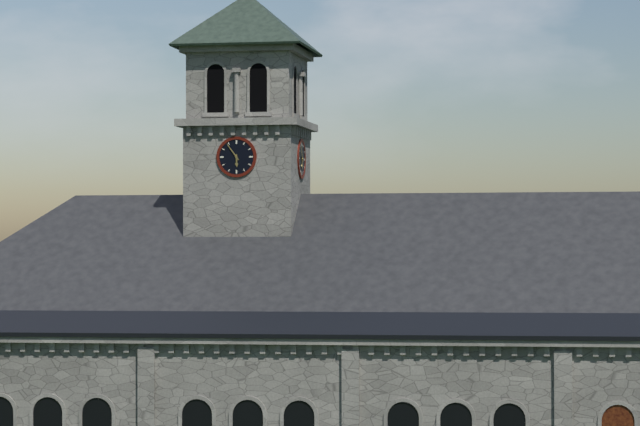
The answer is 5:54
